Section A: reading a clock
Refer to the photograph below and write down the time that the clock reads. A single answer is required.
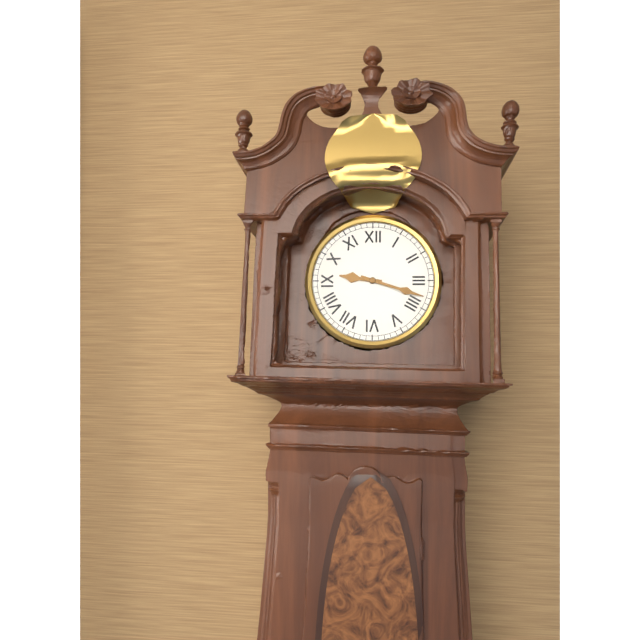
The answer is 9:18
